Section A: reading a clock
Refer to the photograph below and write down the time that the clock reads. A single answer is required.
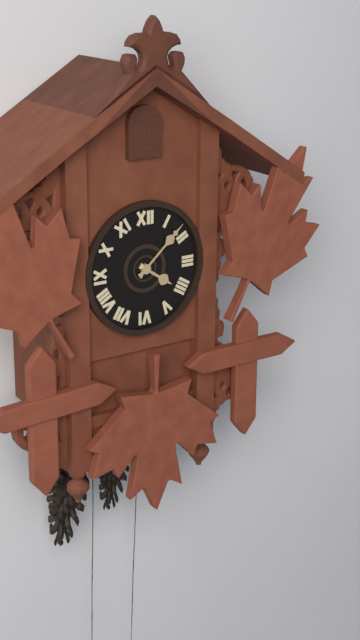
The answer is 4:08
